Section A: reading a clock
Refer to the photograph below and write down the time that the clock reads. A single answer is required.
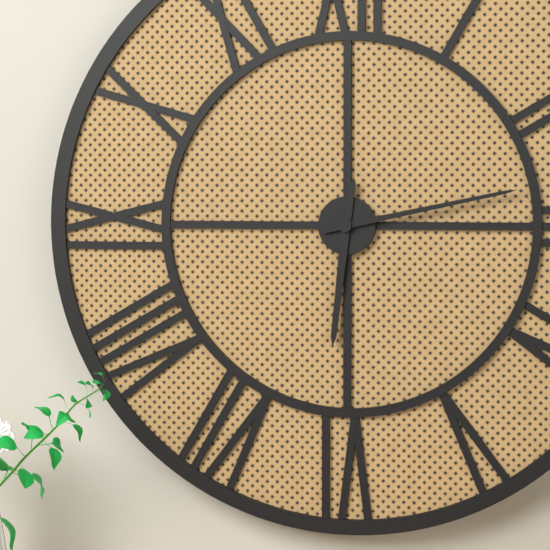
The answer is 6:13
